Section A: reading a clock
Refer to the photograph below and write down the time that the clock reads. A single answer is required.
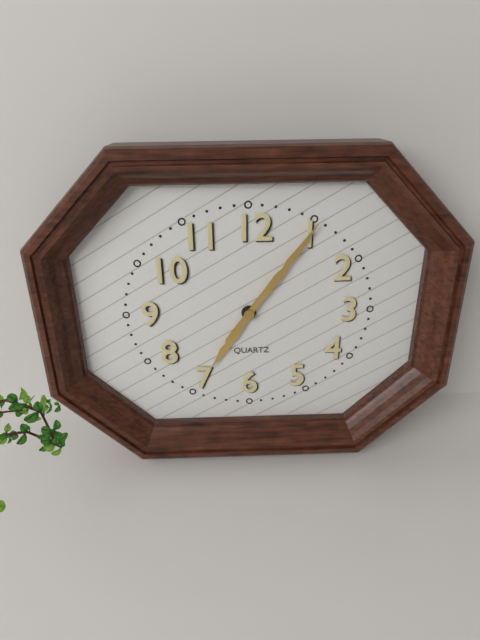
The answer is 7:06
